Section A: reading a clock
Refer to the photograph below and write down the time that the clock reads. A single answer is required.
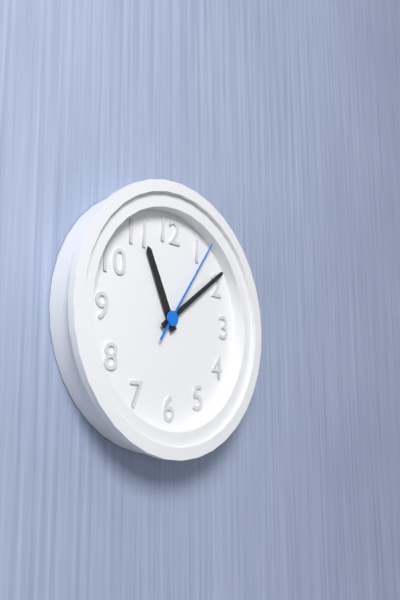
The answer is 11:09:06
